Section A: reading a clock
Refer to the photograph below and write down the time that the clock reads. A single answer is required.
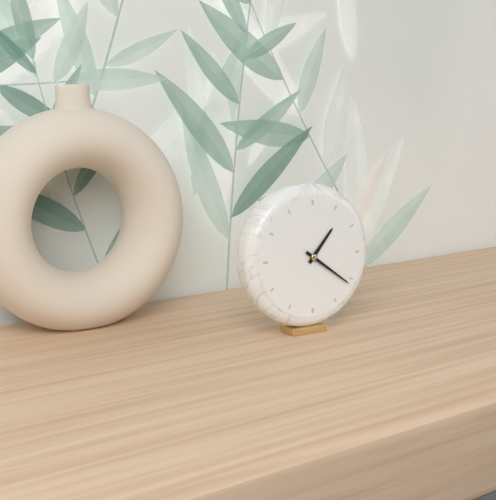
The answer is 1:21
